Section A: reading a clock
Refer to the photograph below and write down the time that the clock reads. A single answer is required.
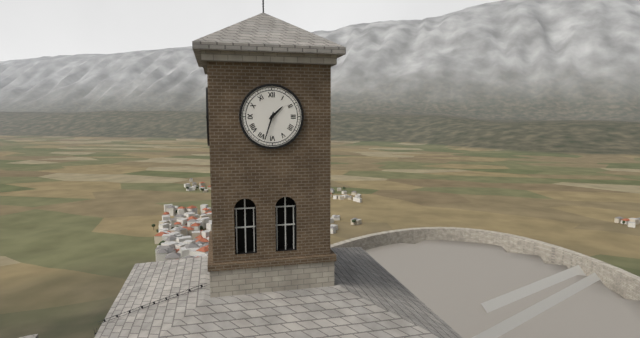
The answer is 1:33
